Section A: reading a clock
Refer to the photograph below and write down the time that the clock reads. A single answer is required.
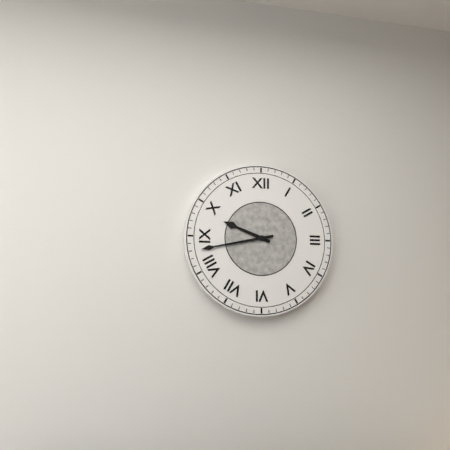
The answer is 9:43
